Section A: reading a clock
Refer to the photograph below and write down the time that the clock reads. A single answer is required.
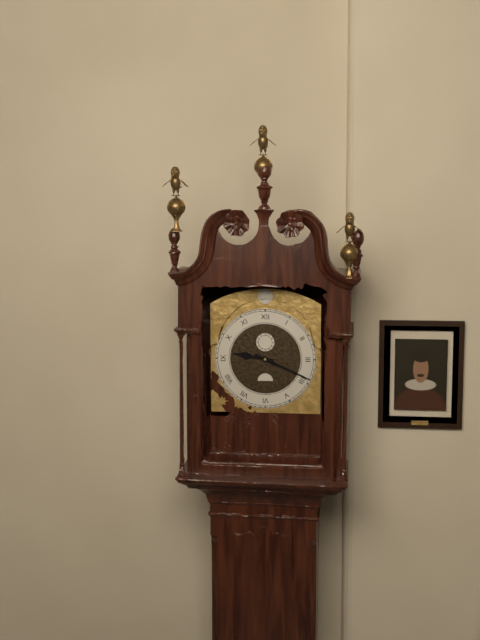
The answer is 9:19
